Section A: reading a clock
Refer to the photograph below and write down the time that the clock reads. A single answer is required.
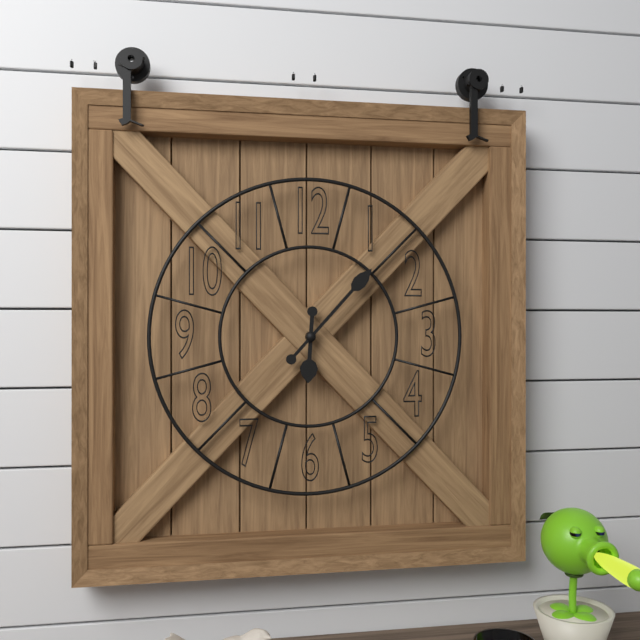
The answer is 6:07
